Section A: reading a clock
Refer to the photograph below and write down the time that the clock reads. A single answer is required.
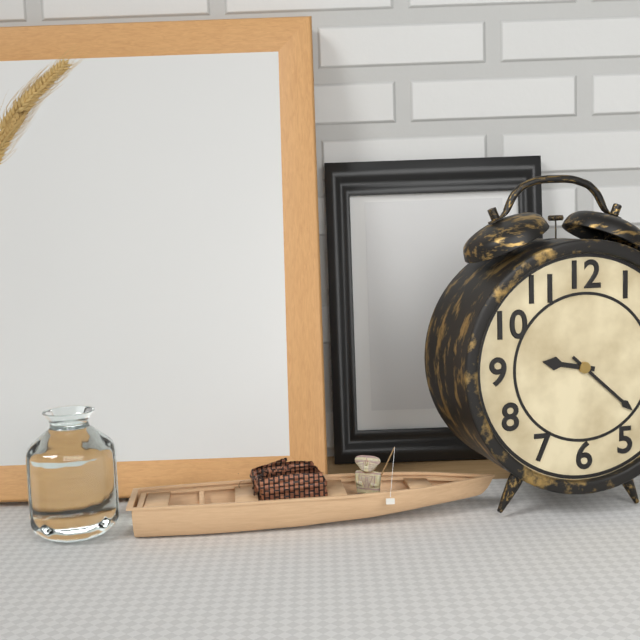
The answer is 9:22
